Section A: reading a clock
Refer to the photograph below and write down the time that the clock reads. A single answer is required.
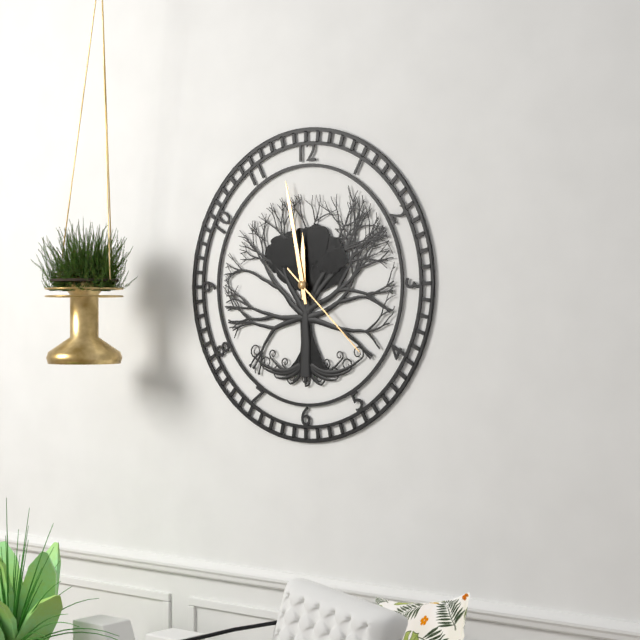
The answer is 11:58:22
